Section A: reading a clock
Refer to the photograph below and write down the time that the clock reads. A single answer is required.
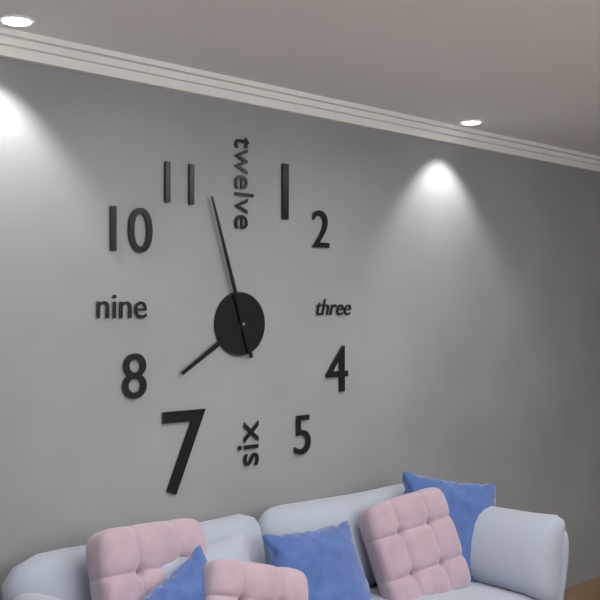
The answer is 7:57
